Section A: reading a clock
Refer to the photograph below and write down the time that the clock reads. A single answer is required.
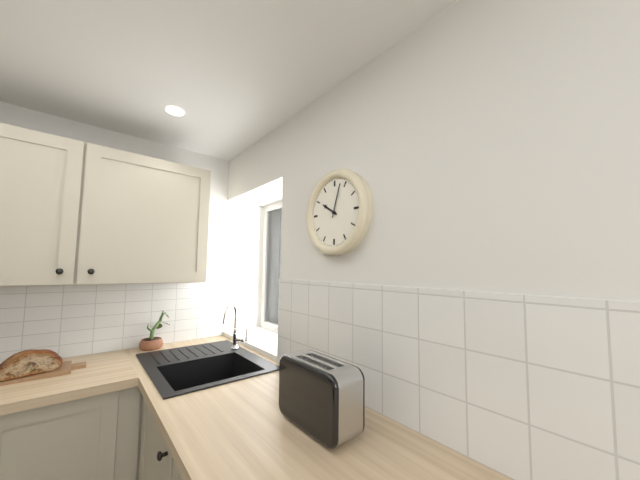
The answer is 10:03
